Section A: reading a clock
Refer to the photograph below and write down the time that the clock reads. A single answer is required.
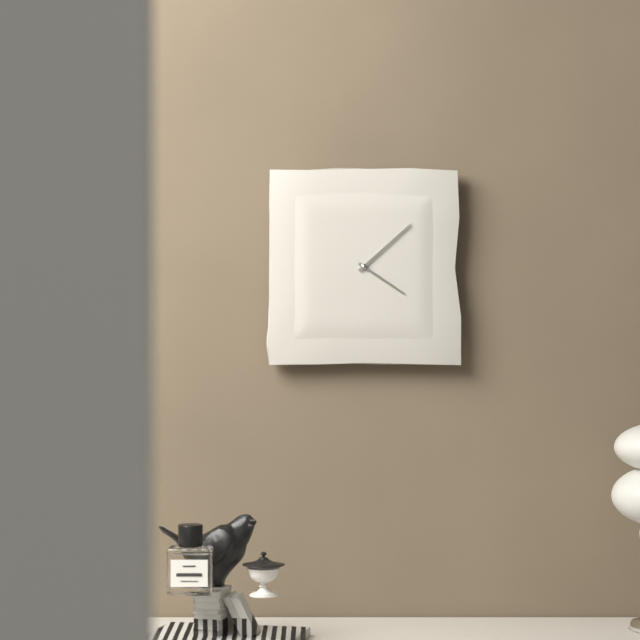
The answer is 4:08
